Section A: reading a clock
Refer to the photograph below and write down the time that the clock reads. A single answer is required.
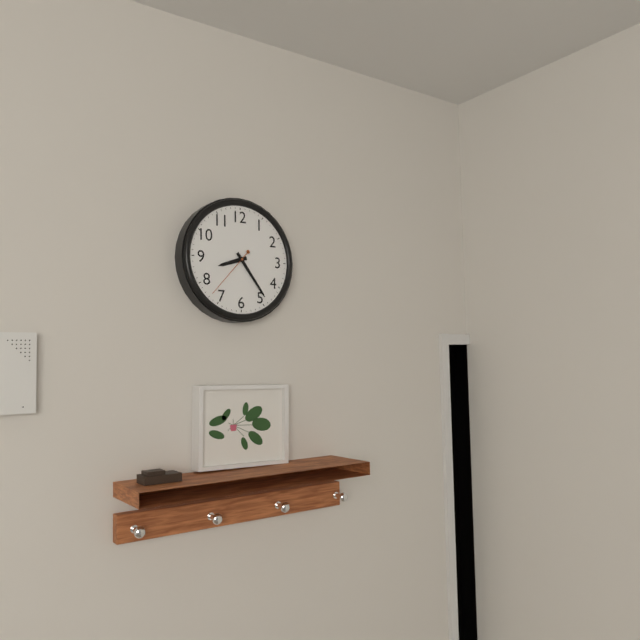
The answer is 8:24:37
